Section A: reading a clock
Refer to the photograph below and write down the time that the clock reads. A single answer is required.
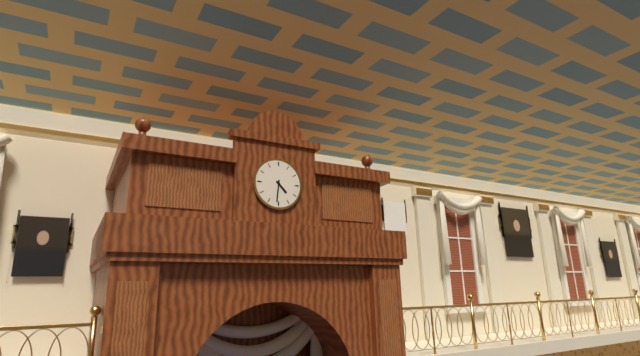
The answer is 4:31
